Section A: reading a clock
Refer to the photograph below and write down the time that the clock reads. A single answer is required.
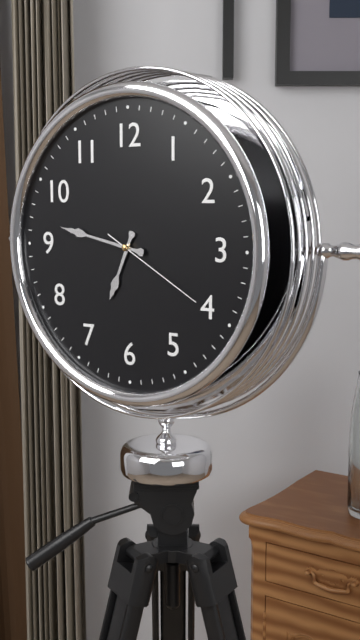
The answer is 6:47:20
